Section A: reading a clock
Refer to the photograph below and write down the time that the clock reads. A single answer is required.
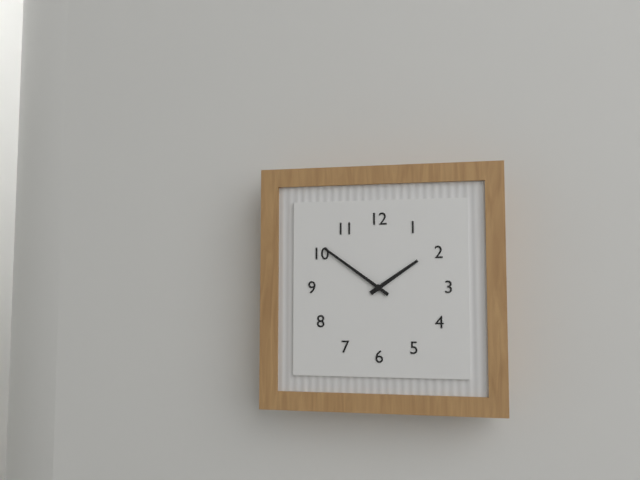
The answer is 1:51
